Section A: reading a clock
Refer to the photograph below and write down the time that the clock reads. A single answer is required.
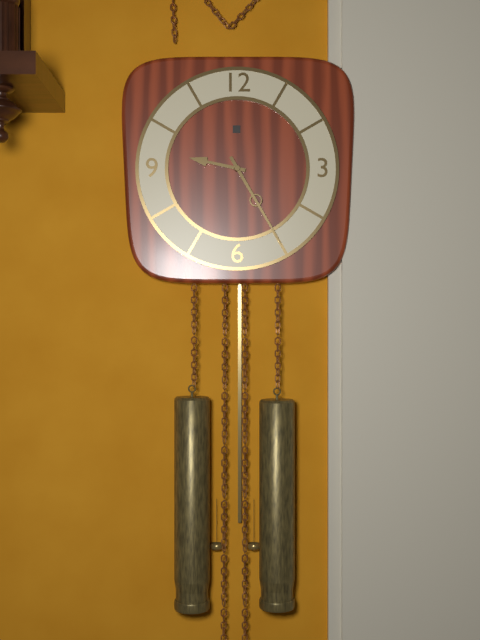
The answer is 9:25
